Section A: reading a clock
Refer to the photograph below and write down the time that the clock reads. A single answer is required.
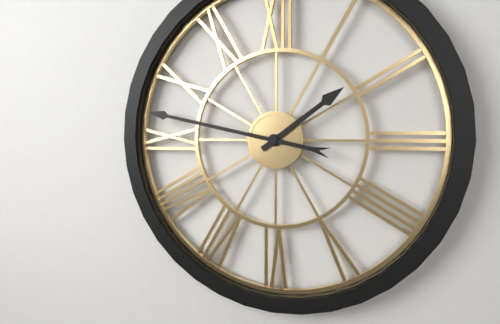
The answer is 1:47
